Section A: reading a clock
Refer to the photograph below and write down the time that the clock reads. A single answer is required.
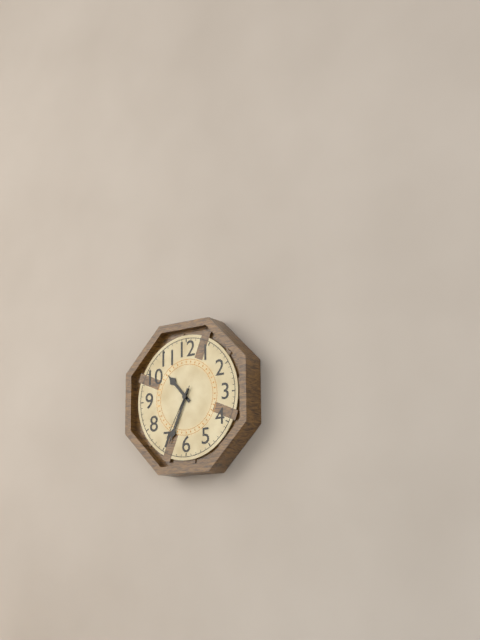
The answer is 10:34:35
